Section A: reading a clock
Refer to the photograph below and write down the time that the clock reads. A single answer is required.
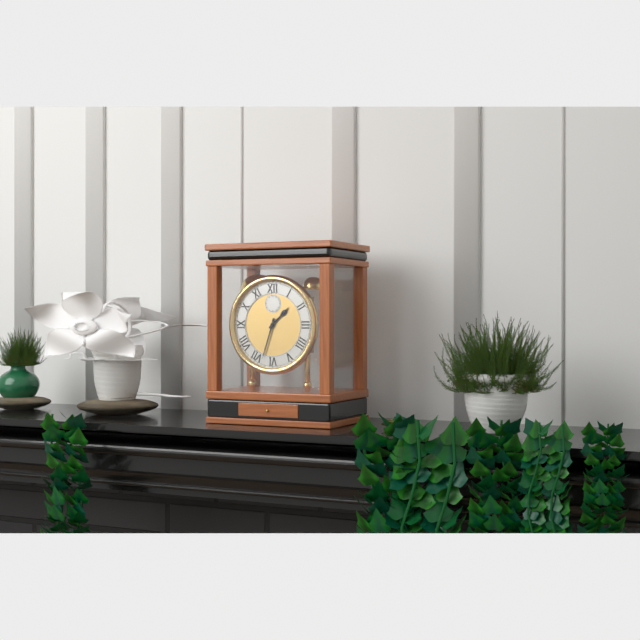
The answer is 1:33
